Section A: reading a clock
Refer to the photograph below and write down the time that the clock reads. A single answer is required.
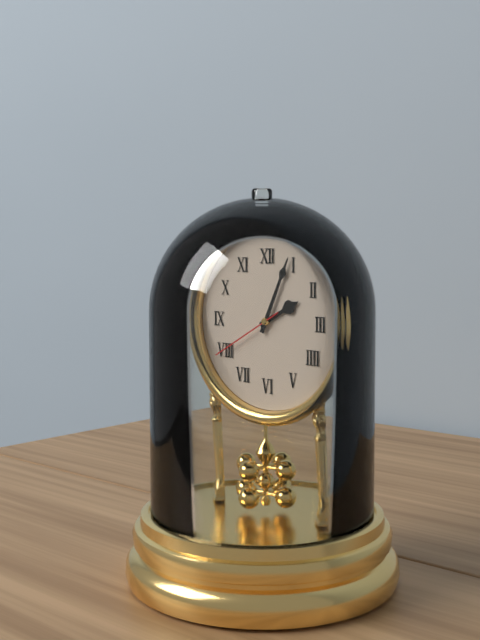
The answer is 2:04:40
